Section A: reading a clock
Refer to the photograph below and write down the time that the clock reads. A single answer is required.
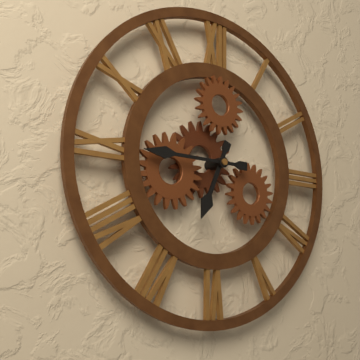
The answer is 6:45
